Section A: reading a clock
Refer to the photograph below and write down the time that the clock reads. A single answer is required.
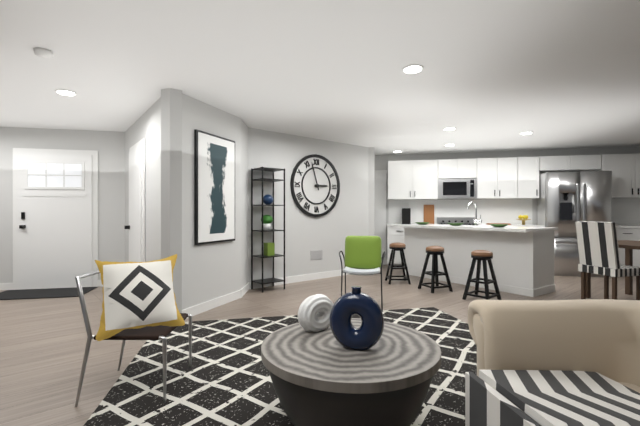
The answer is 2:57
